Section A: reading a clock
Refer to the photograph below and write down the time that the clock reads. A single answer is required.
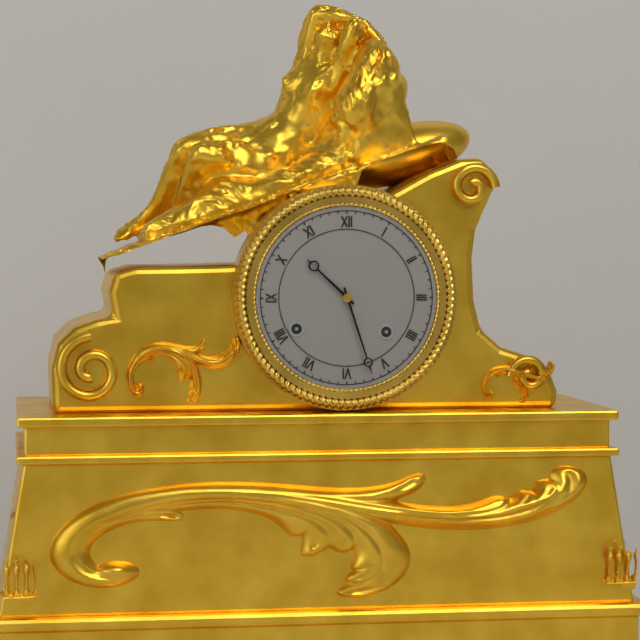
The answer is 10:27
